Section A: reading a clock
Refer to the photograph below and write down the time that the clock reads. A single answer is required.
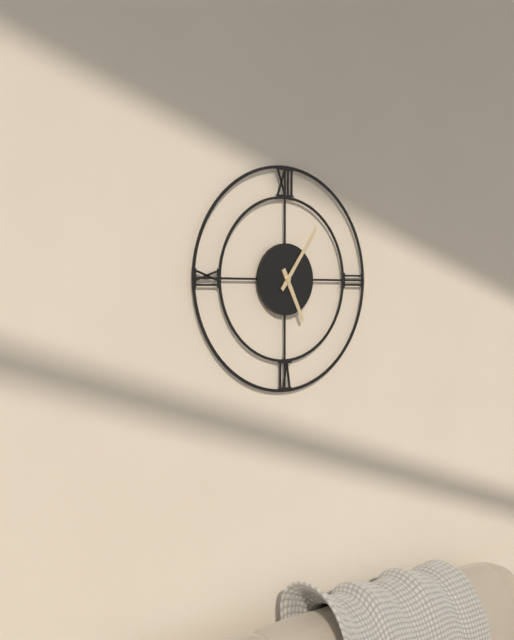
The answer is 5:06
